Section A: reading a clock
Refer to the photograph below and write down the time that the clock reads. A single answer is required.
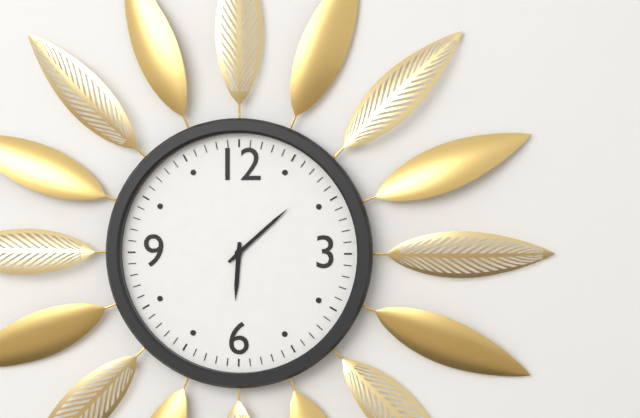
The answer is 6:08
